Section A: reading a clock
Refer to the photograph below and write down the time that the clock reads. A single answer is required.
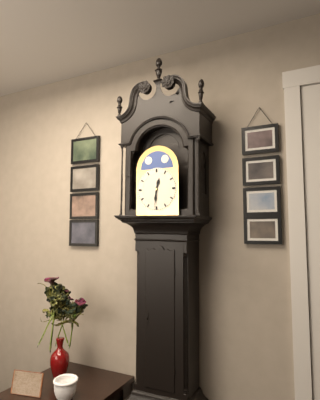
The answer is 12:31
